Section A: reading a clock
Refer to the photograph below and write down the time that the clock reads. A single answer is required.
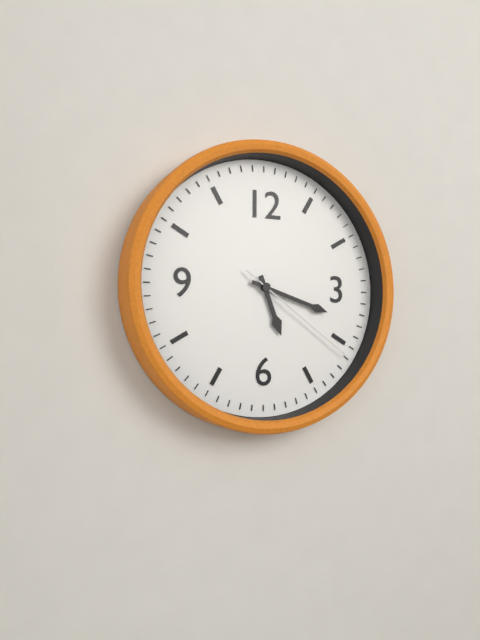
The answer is 5:18:21
